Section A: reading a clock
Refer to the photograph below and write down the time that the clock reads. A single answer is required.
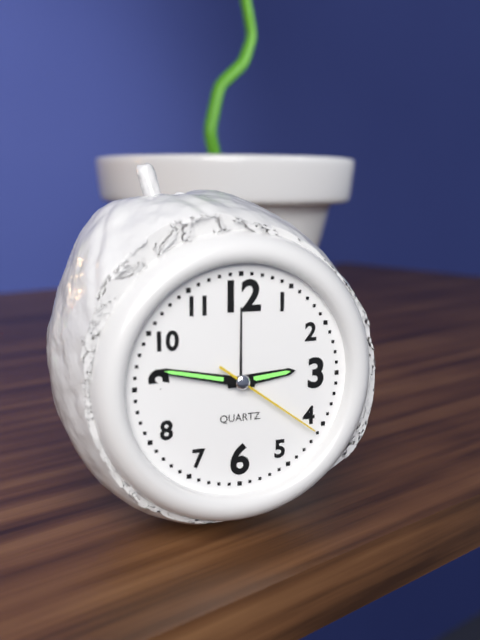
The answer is 2:47:21
